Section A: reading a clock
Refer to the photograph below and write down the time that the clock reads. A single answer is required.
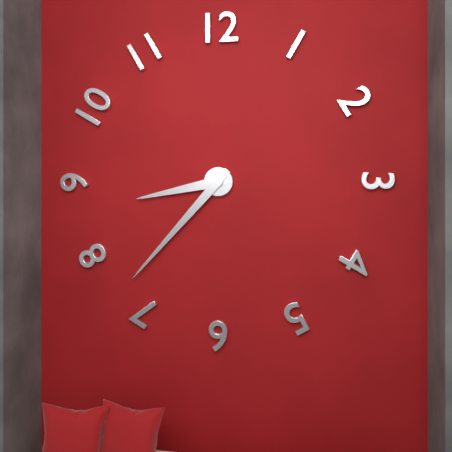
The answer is 8:37
